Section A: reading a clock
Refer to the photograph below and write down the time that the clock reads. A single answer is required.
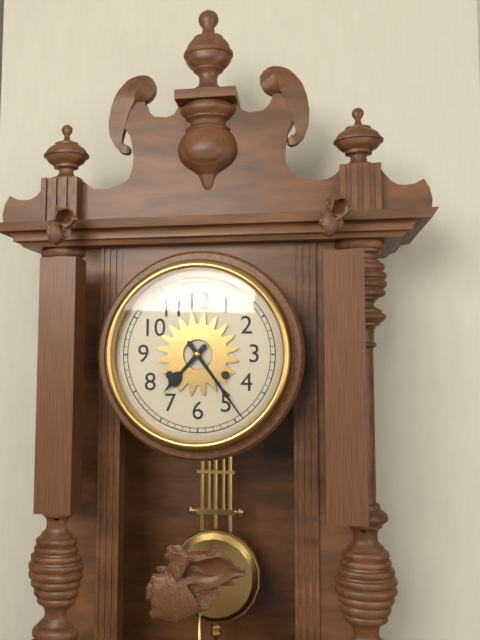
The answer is 7:24
